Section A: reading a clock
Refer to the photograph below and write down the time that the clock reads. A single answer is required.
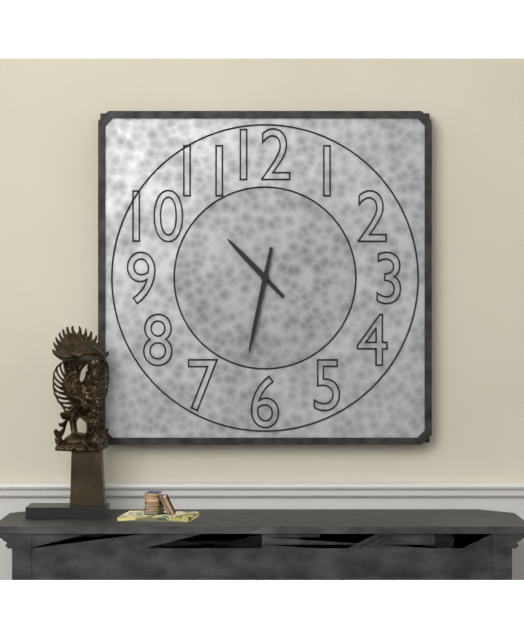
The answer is 10:32
